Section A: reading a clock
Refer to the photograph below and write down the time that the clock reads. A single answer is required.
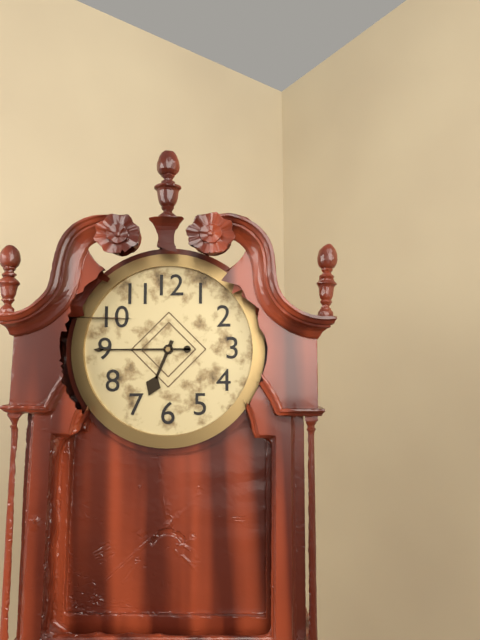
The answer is 6:45
